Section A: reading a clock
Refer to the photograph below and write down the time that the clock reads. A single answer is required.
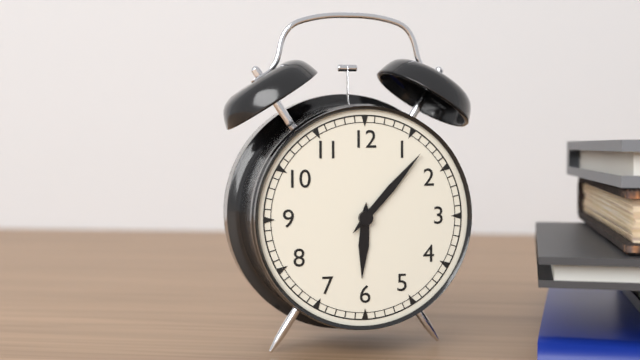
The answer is 6:07
